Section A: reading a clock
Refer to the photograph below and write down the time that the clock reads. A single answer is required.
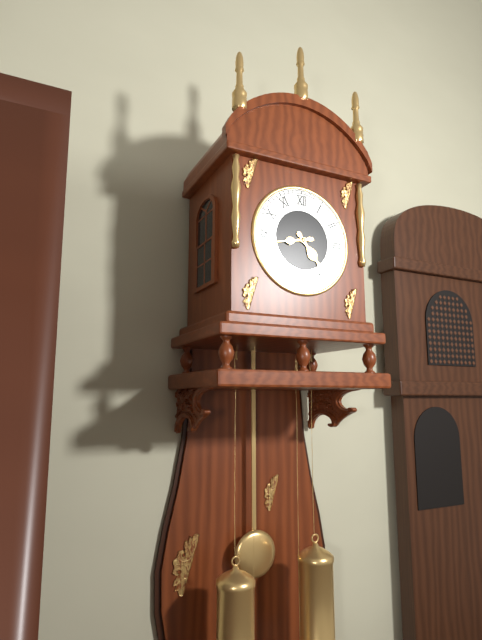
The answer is 4:43
